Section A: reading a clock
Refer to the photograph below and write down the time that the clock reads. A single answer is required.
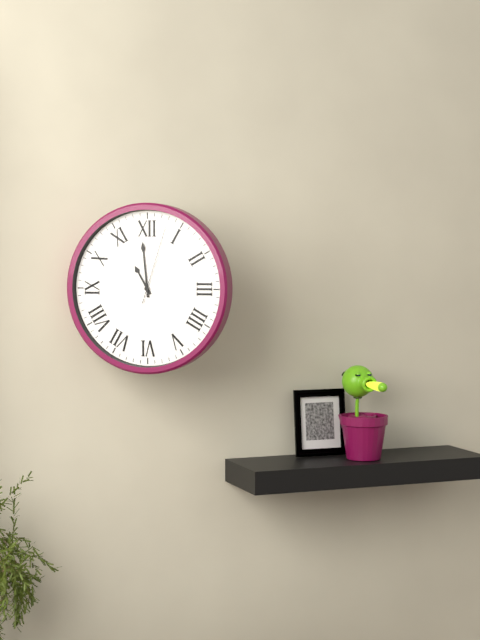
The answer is 10:59:03
